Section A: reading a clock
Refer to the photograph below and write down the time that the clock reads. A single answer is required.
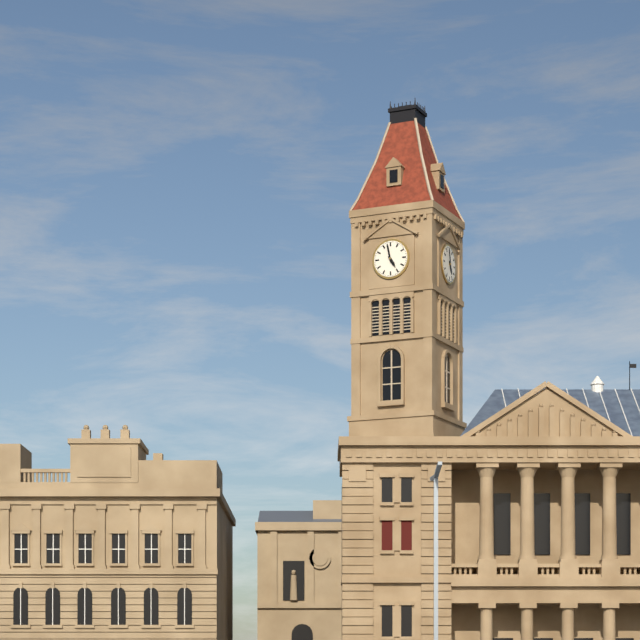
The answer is 4:58
